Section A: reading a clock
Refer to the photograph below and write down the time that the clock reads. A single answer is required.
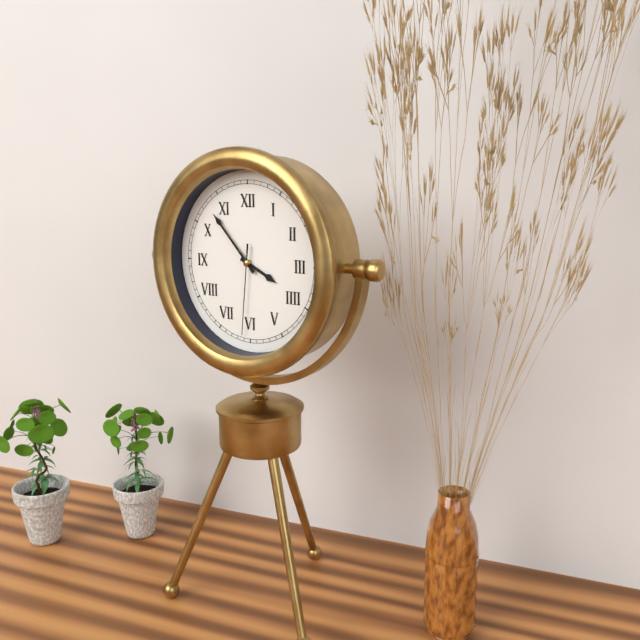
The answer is 3:53:31
